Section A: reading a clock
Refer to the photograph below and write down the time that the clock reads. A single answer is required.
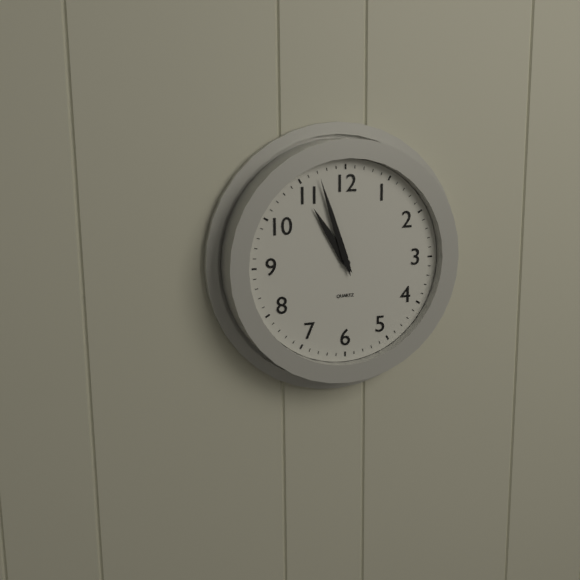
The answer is 10:57
